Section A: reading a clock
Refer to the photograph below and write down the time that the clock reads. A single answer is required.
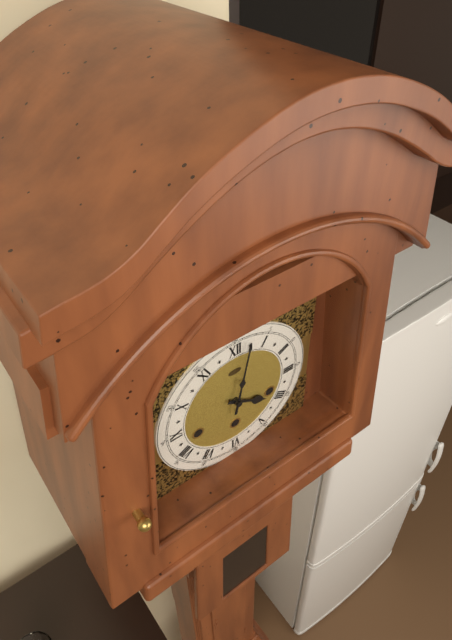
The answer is 4:02
